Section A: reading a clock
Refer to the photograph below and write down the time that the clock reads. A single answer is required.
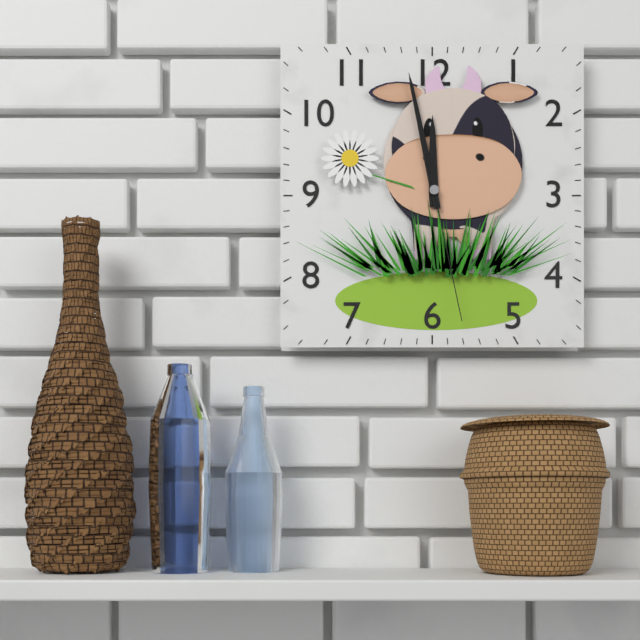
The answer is 11:58:28
